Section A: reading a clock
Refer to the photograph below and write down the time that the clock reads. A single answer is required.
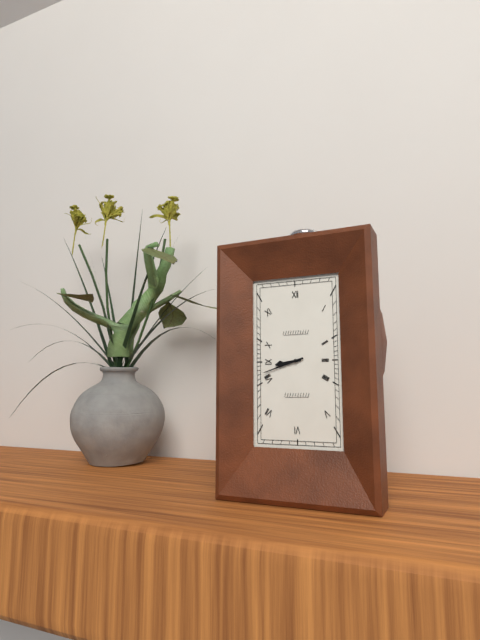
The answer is 8:42
